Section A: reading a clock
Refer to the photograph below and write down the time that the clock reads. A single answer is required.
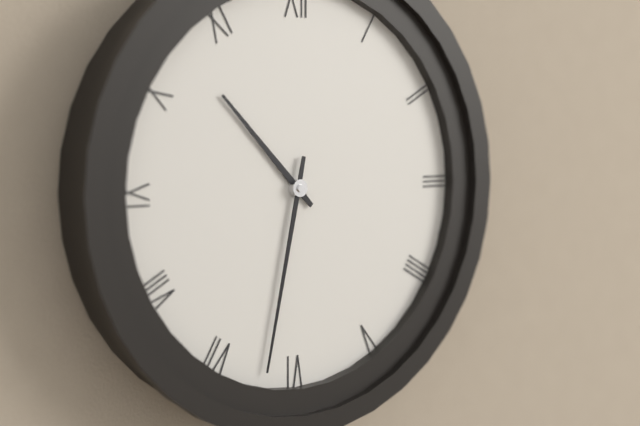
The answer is 10:32
